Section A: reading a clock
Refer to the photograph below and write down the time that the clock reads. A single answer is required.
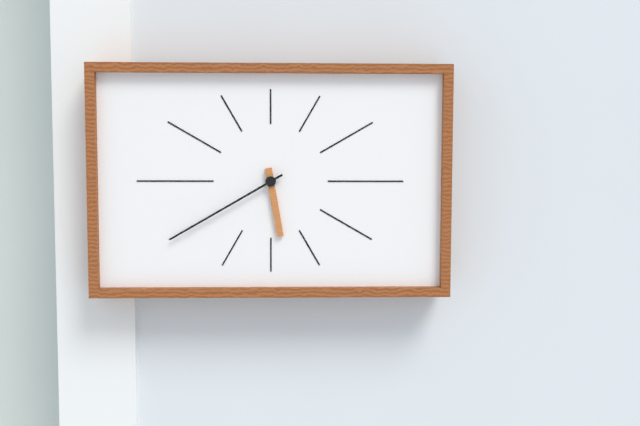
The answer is 5:40
